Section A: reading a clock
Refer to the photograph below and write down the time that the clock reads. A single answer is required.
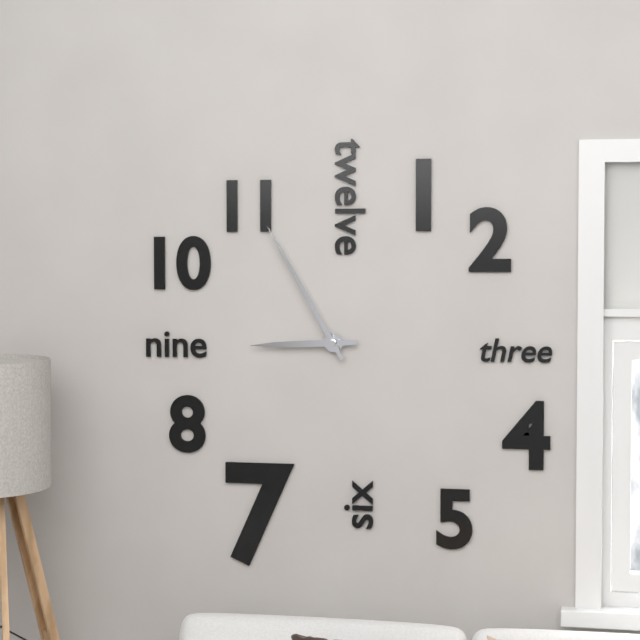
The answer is 8:55
